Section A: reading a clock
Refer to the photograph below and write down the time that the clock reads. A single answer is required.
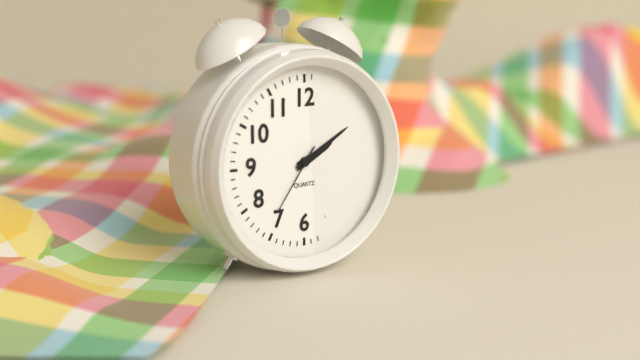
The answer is 2:10:36
